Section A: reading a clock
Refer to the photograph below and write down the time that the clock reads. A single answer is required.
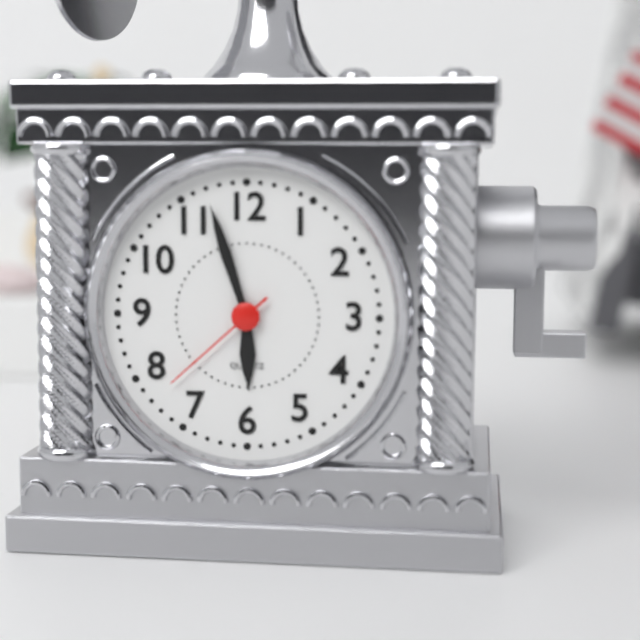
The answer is 5:57:38
